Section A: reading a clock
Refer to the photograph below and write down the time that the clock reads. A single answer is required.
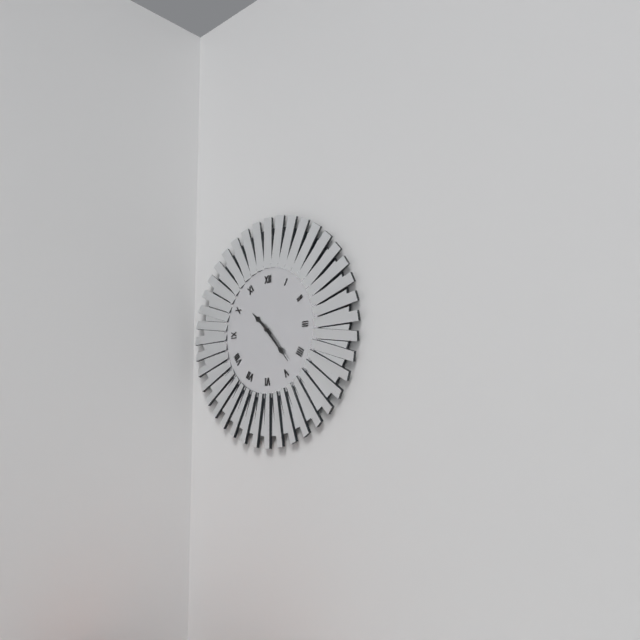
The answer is 10:23
